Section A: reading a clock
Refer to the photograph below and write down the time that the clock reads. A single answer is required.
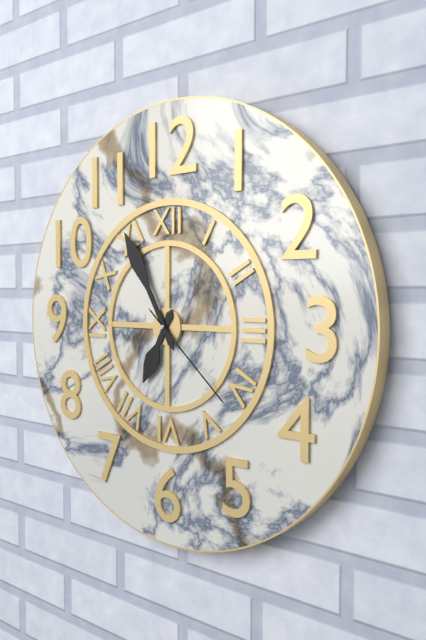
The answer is 6:55:22
